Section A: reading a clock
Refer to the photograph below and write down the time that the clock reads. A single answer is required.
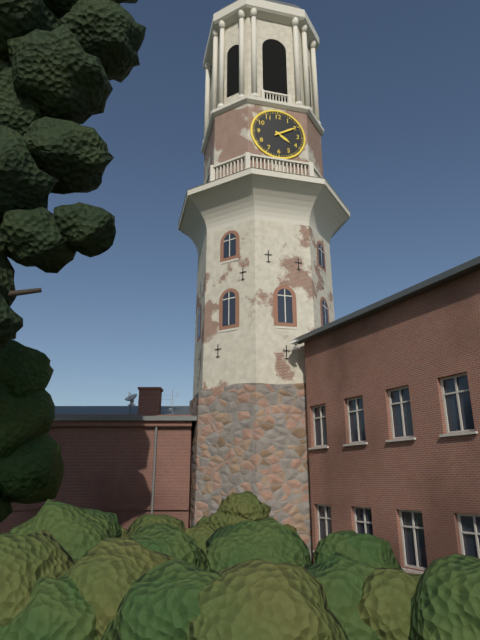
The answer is 4:10
